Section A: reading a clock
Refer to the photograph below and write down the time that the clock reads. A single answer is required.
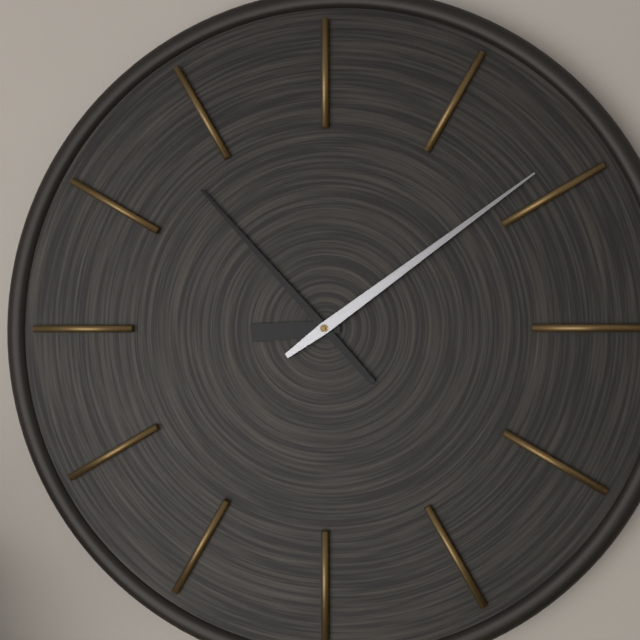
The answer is 8:53:09
